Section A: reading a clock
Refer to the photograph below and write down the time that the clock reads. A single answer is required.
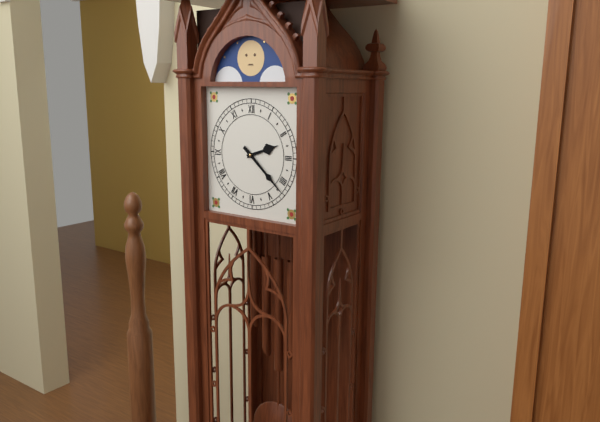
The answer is 2:22
